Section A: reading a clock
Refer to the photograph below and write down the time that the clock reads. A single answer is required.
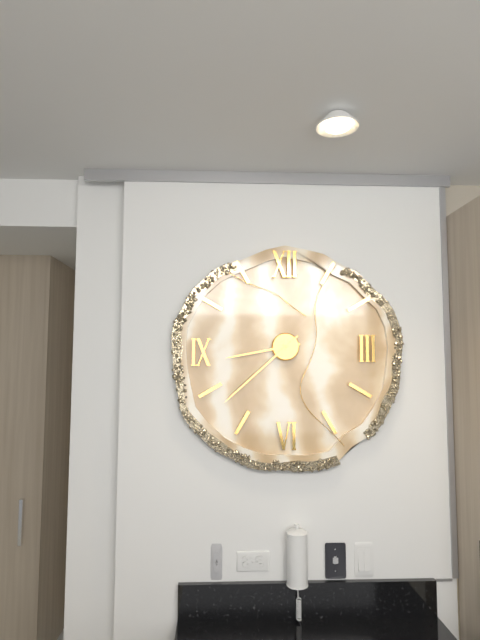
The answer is 8:38
